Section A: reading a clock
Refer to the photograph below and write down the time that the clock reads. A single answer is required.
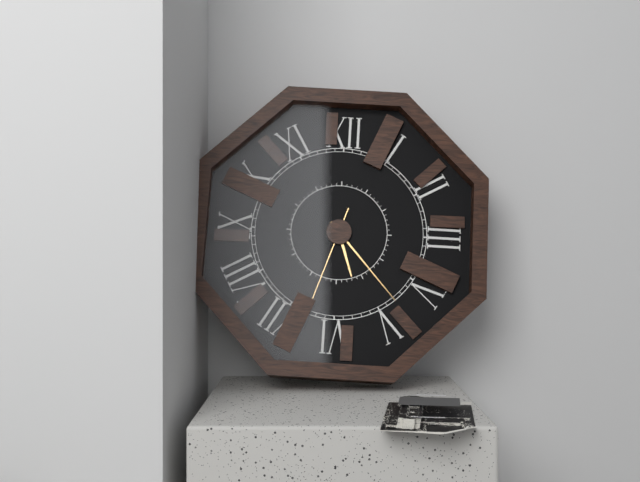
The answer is 5:23
